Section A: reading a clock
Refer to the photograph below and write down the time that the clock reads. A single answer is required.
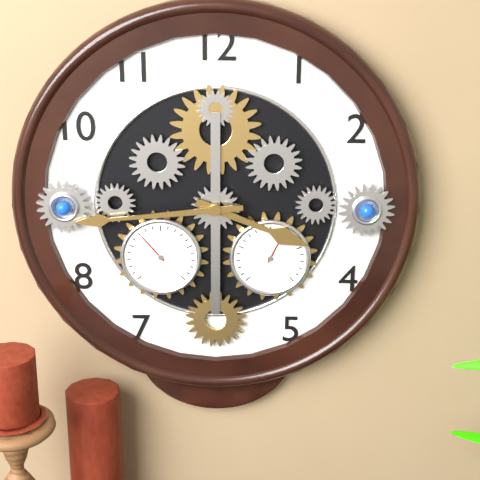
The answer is 3:44
